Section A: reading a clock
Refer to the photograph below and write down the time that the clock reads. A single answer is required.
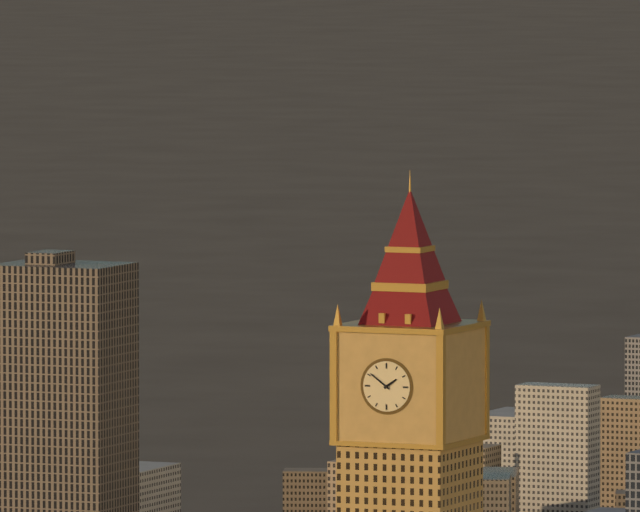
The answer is 1:51
